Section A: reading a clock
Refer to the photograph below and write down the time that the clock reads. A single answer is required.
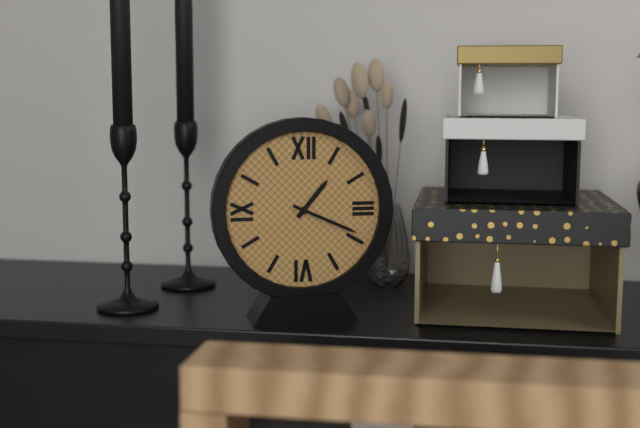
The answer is 1:19
